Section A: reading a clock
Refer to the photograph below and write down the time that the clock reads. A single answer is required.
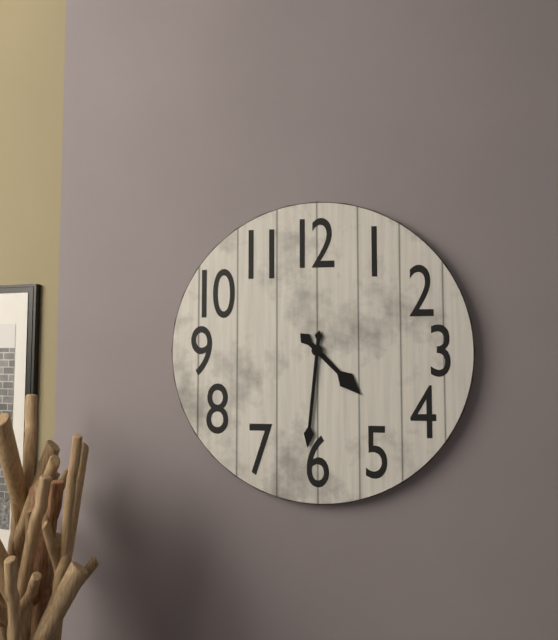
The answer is 4:31
